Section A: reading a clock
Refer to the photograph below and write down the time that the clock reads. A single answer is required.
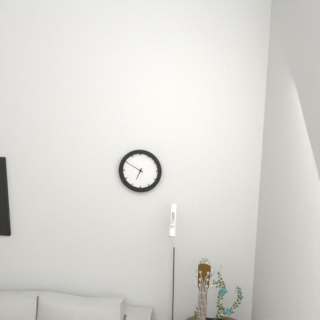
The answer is 6:50
